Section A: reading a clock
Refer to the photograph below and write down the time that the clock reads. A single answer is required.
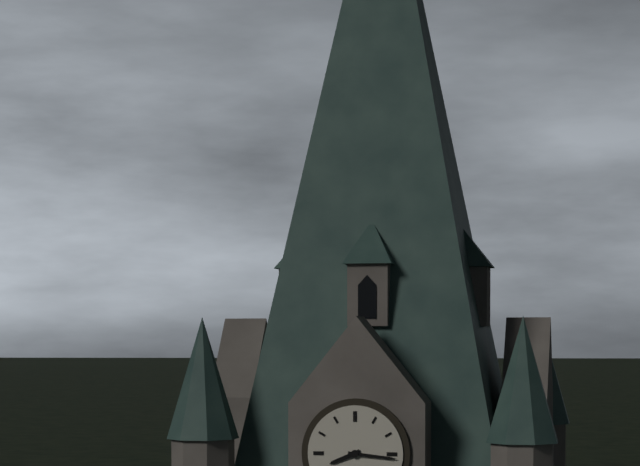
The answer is 8:16
